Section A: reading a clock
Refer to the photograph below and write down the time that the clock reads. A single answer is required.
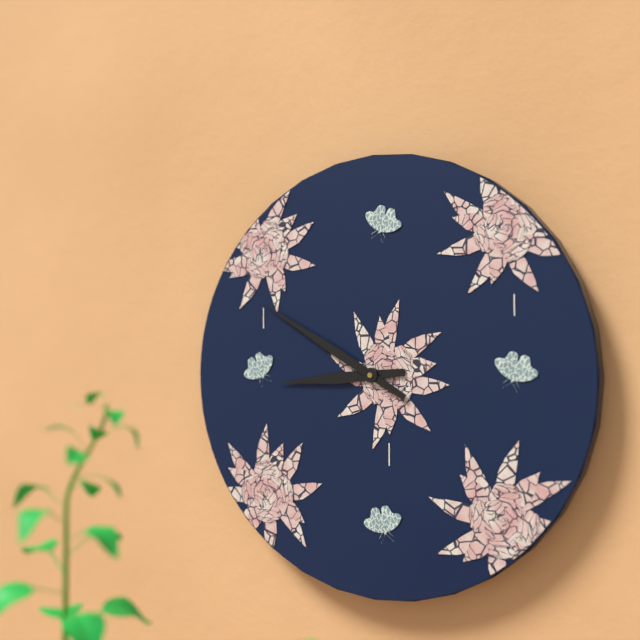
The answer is 8:50
